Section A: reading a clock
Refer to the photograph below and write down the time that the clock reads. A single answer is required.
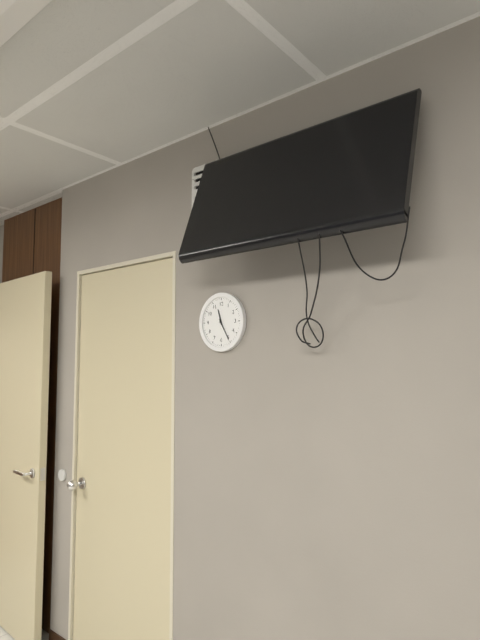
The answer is 11:25
